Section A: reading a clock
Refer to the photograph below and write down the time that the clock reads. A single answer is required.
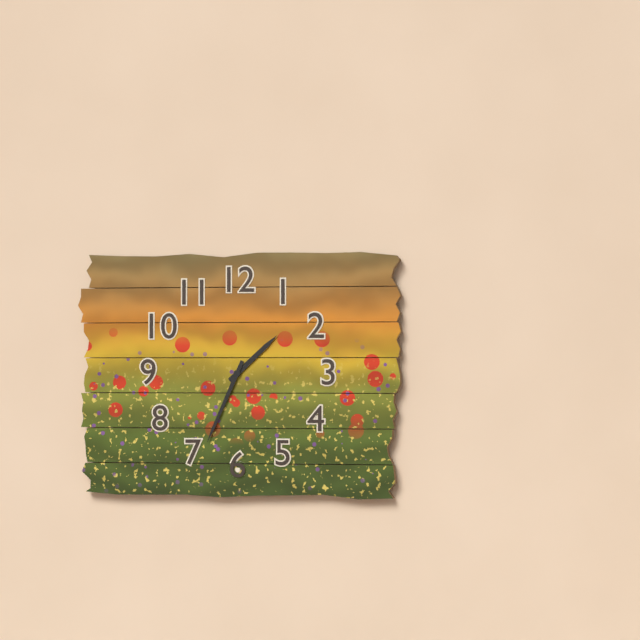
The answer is 1:34
